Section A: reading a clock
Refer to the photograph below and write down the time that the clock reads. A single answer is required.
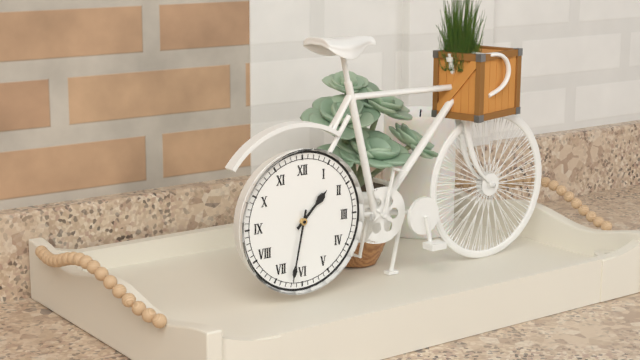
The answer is 1:32
